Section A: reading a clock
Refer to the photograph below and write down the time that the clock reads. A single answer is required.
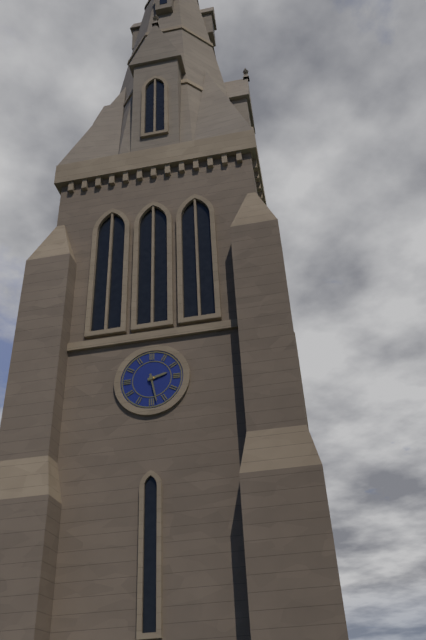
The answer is 2:28
